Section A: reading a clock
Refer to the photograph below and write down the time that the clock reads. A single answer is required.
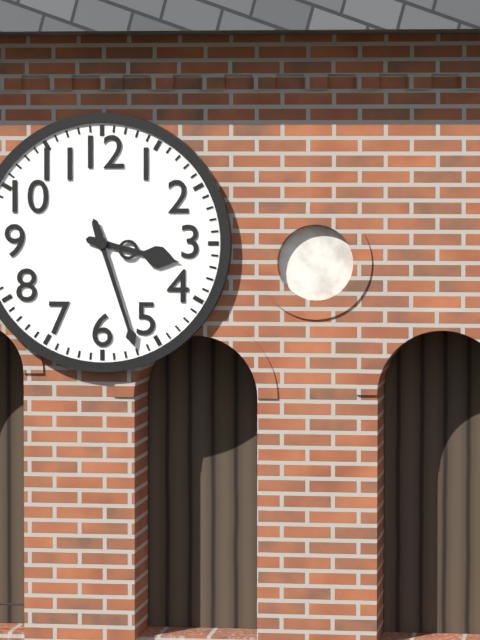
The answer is 3:27
